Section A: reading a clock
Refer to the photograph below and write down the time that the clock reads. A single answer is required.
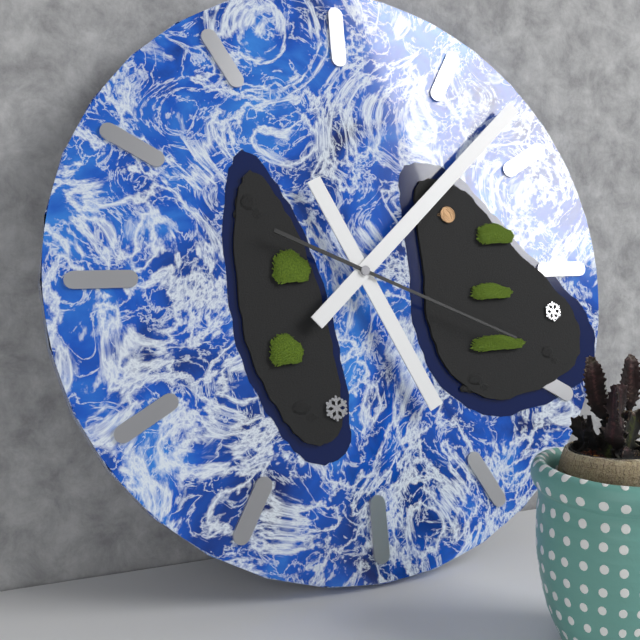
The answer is 5:08:19
